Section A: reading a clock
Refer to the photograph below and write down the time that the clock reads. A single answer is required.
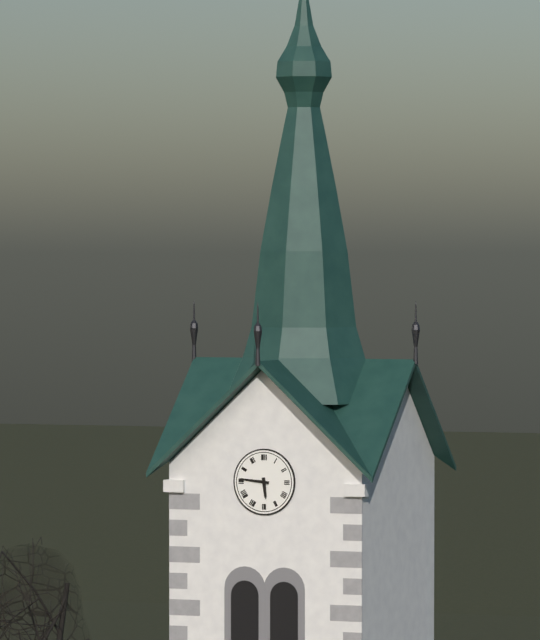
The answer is 5:46
